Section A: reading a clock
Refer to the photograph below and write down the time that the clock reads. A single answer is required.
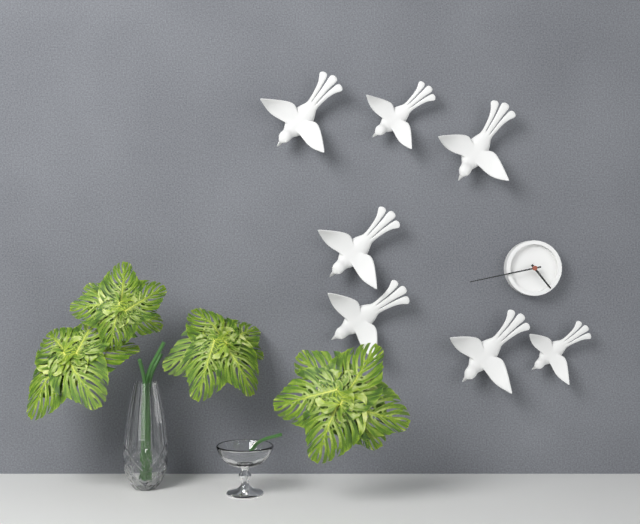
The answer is 4:43
